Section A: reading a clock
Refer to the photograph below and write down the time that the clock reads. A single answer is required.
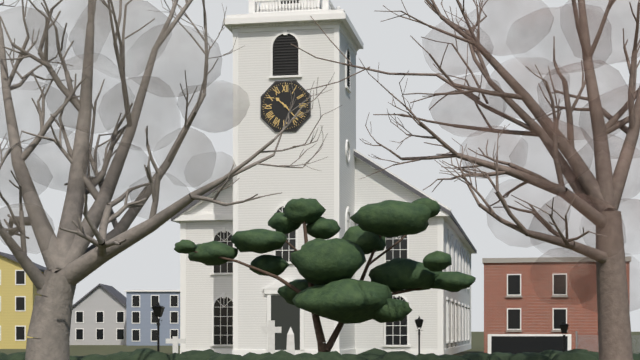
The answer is 10:23
